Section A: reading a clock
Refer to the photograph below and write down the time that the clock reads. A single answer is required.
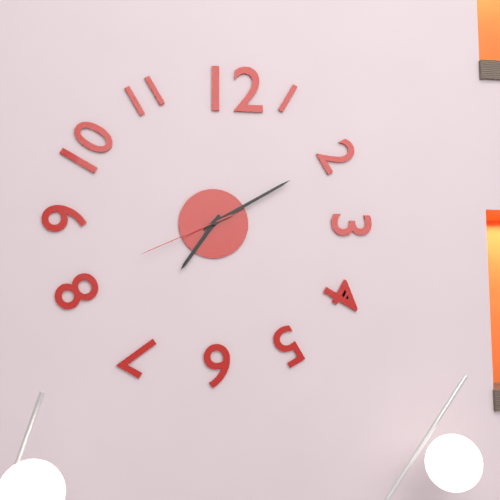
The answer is 7:10:41
